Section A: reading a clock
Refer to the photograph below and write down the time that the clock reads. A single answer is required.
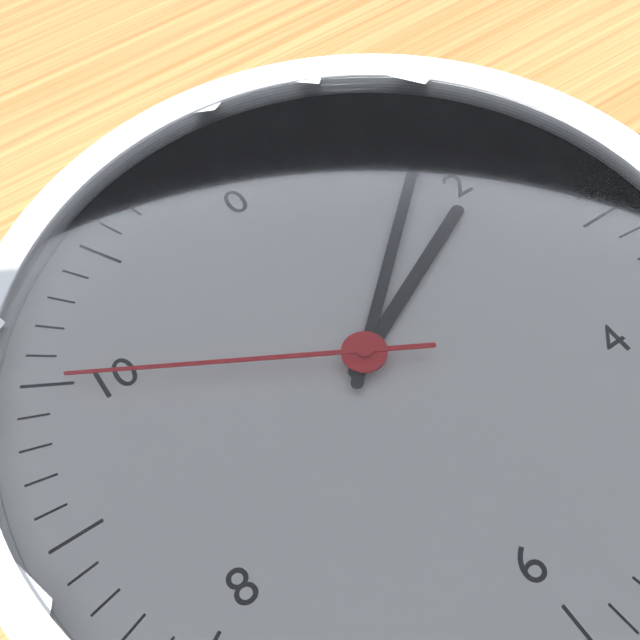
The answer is 2:08:50
